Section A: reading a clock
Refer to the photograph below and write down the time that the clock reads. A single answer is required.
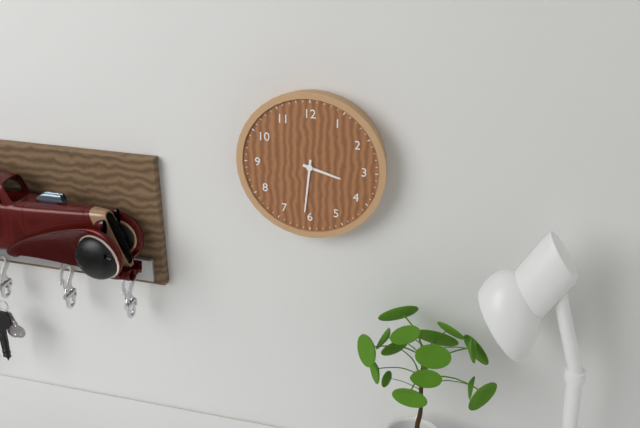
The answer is 3:31
